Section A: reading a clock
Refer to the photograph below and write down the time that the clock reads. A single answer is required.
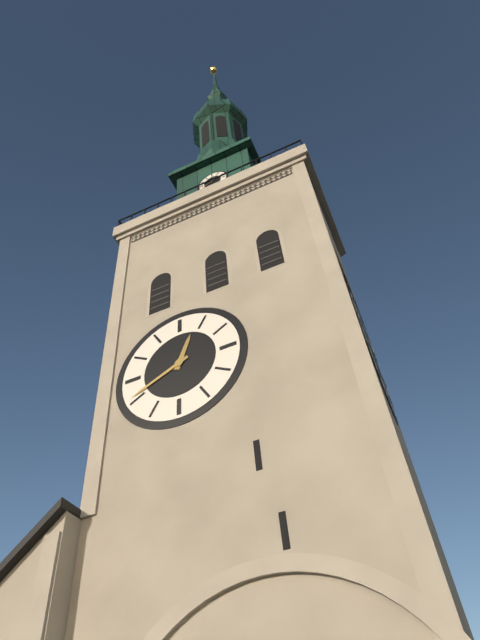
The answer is 12:41
